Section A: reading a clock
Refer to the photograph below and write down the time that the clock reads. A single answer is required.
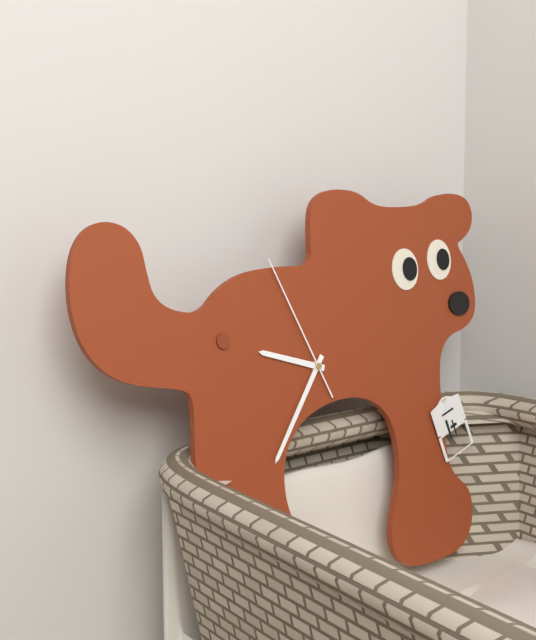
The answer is 9:36:56
